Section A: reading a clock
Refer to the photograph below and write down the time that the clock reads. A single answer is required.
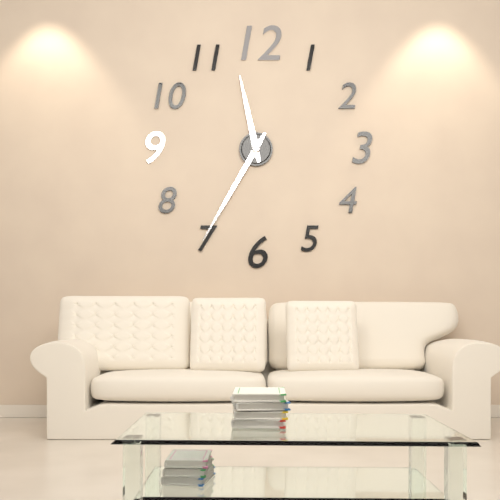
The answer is 11:35
